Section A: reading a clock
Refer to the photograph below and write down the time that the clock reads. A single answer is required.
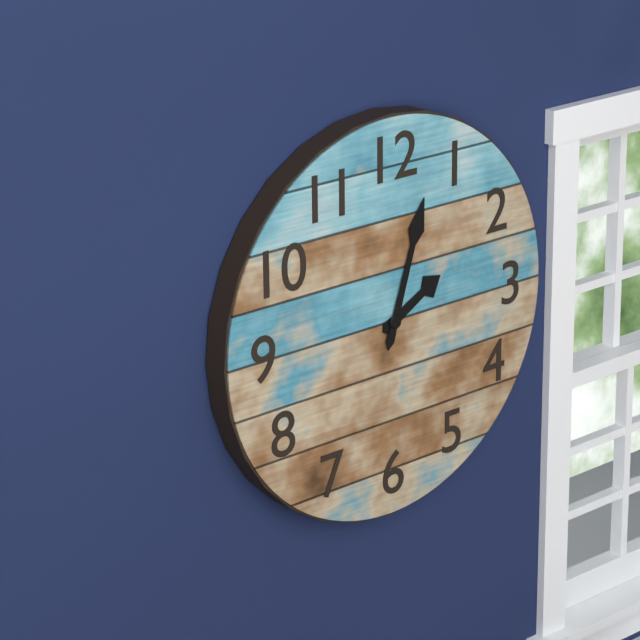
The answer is 2:03
